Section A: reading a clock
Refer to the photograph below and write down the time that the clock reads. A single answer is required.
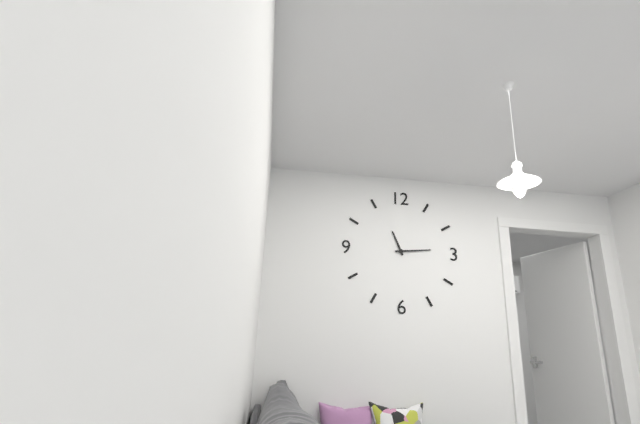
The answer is 11:14
